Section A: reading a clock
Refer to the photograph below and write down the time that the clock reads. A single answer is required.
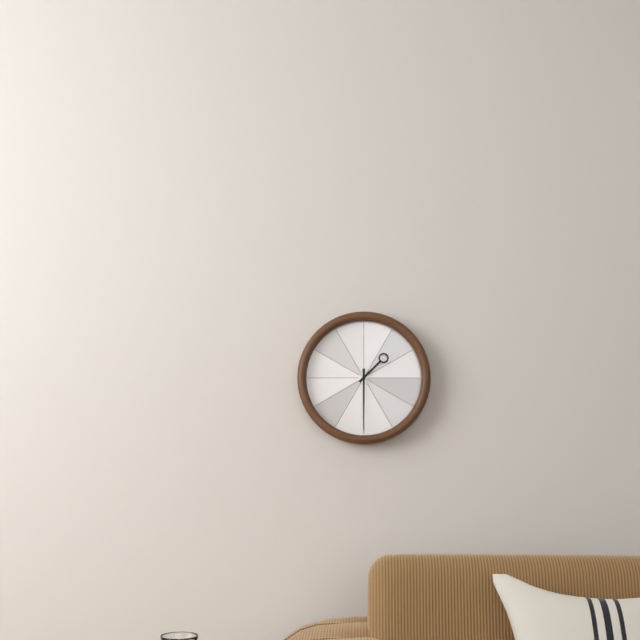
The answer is 1:30
